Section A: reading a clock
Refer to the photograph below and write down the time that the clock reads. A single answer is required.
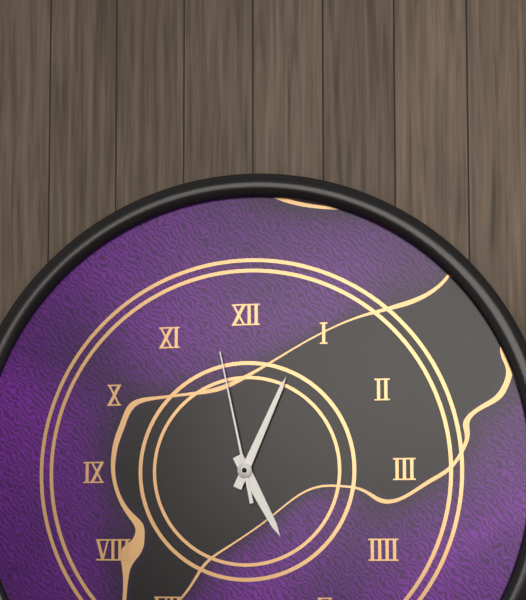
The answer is 5:04:58
